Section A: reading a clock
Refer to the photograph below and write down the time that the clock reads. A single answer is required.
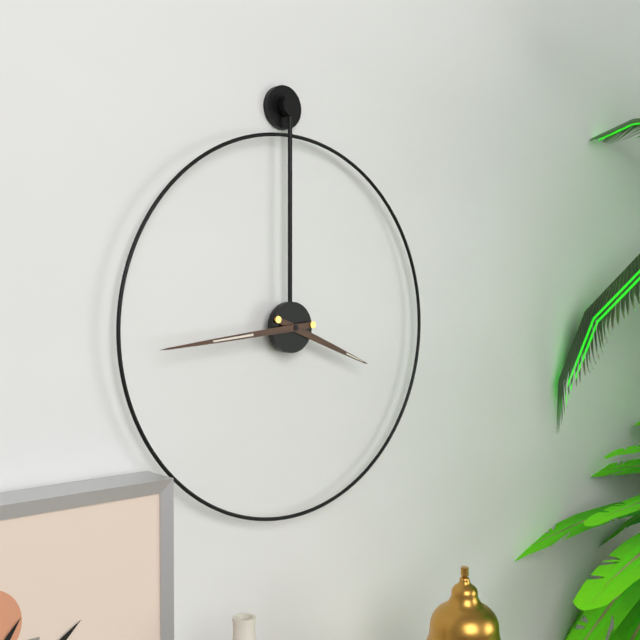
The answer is 3:44
